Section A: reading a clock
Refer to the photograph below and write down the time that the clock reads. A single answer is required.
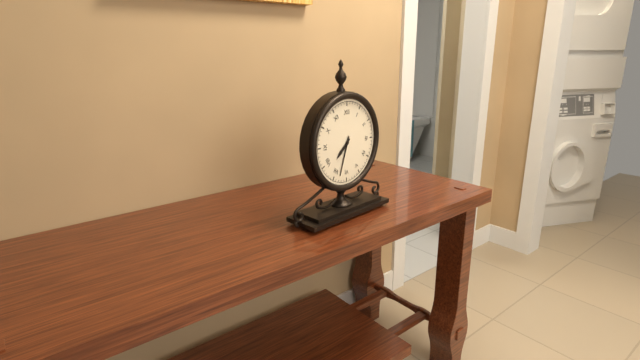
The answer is 7:33
